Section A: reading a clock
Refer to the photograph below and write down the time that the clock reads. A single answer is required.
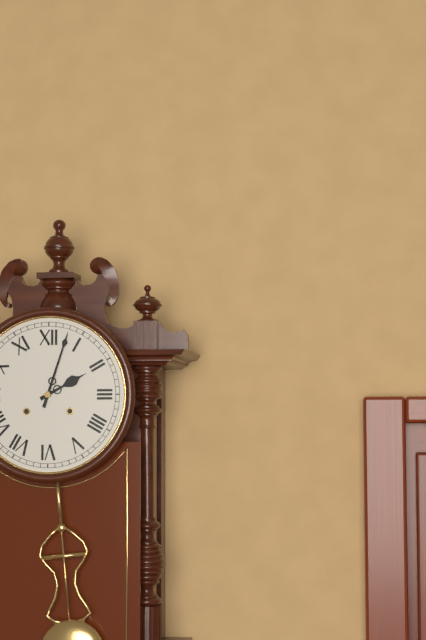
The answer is 2:03
